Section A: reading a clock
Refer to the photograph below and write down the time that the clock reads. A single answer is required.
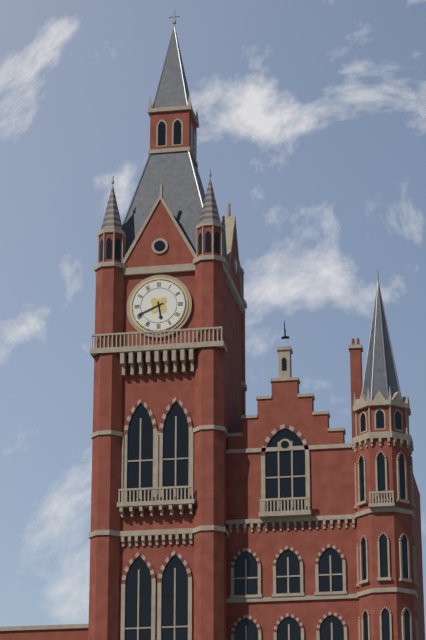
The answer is 5:41
